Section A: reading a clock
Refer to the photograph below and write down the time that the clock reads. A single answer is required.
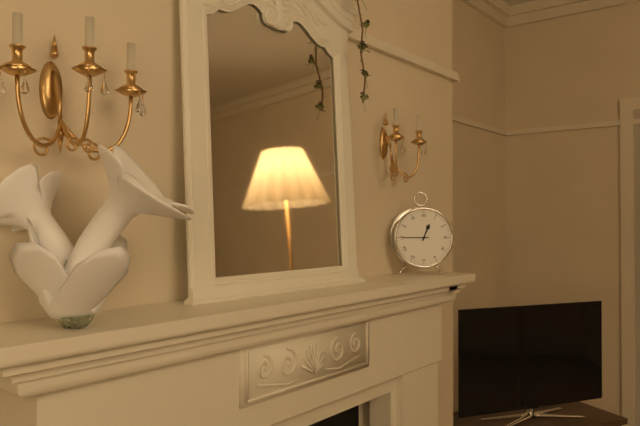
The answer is 12:45
